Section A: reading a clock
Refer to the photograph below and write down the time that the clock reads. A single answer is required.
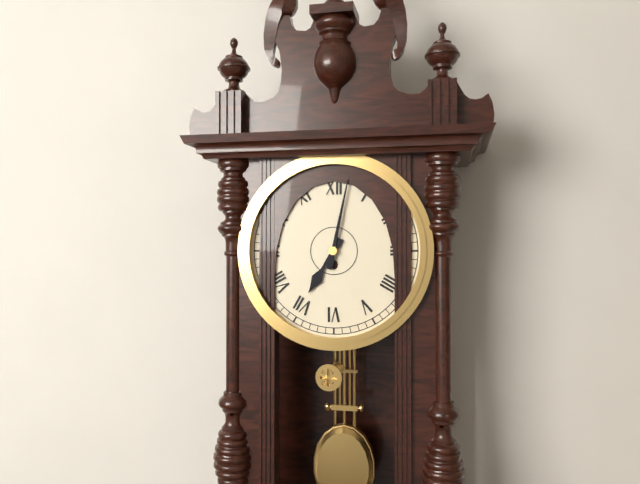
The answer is 7:02
